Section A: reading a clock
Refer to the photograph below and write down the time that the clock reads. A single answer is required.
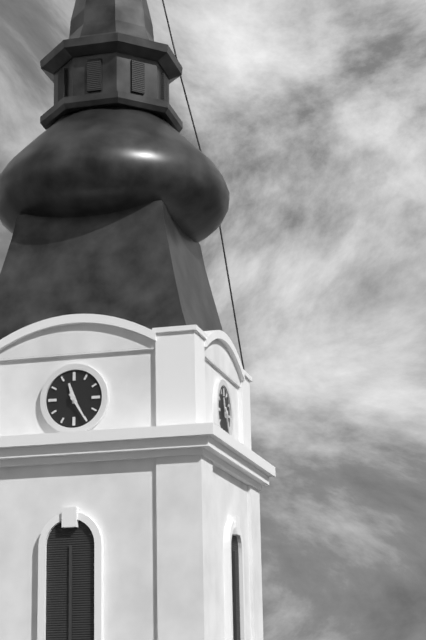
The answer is 11:25
